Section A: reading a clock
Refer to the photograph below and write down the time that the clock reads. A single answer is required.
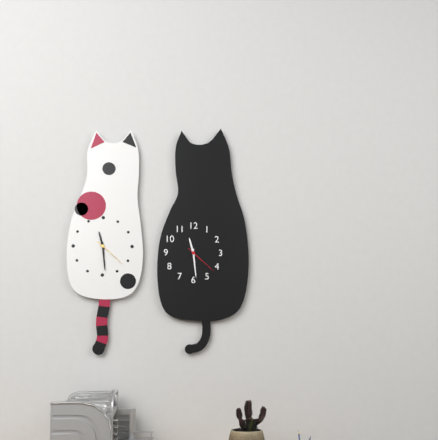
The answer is 11:29
